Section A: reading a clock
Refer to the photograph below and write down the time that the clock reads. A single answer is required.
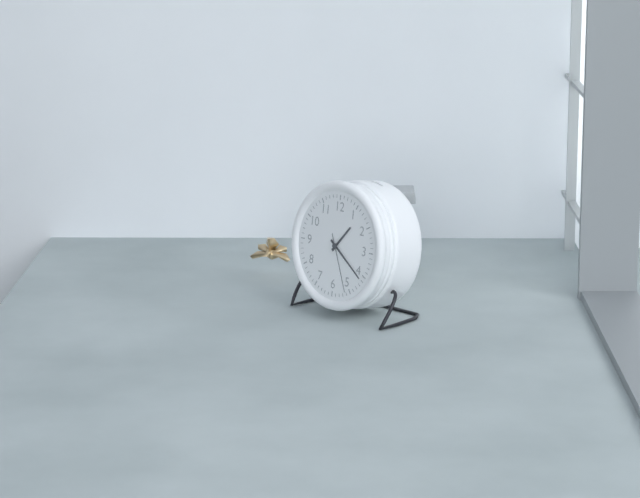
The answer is 1:21:26
